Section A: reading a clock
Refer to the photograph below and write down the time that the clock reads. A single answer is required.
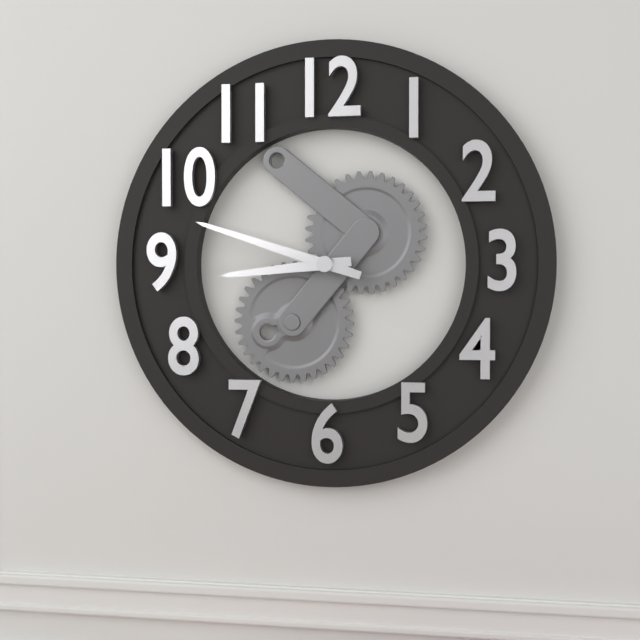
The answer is 8:48
